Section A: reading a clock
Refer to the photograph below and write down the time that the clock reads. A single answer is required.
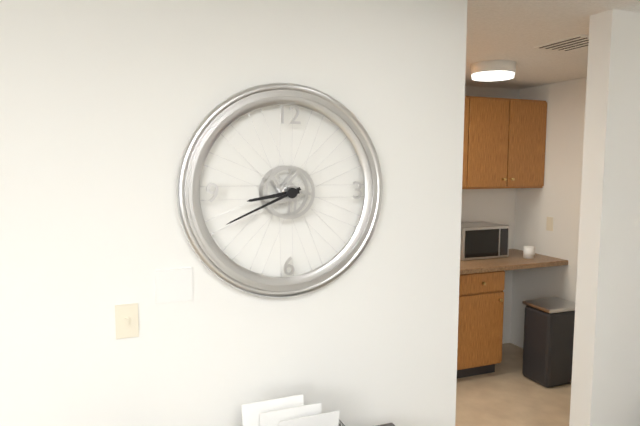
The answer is 8:41
